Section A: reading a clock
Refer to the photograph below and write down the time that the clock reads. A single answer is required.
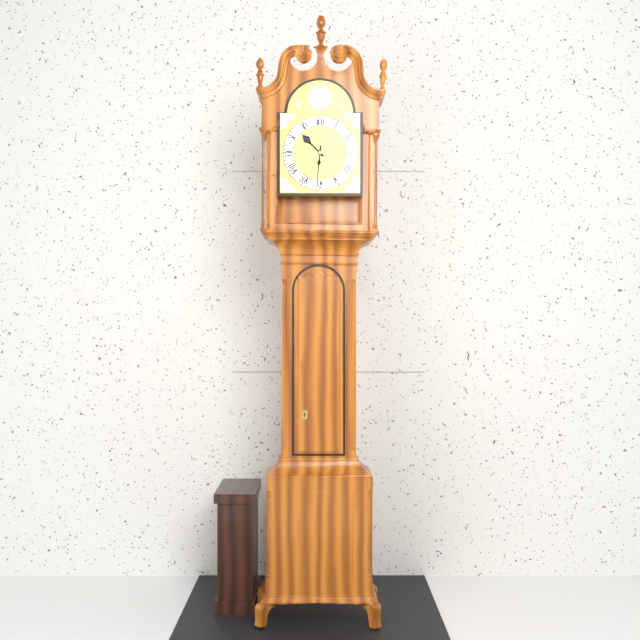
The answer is 10:31
